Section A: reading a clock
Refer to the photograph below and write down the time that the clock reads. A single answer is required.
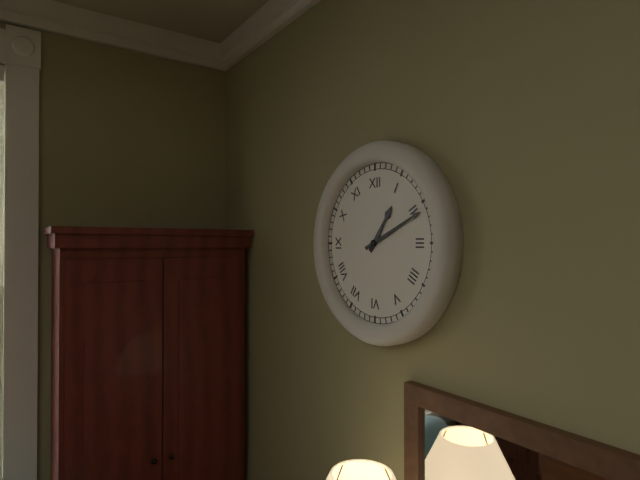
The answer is 1:11
